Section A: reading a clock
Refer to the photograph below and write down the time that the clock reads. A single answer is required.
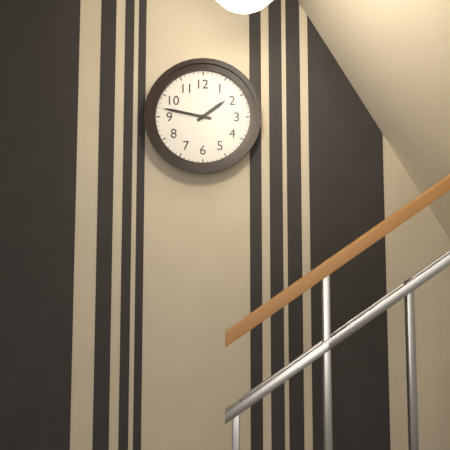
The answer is 1:47
